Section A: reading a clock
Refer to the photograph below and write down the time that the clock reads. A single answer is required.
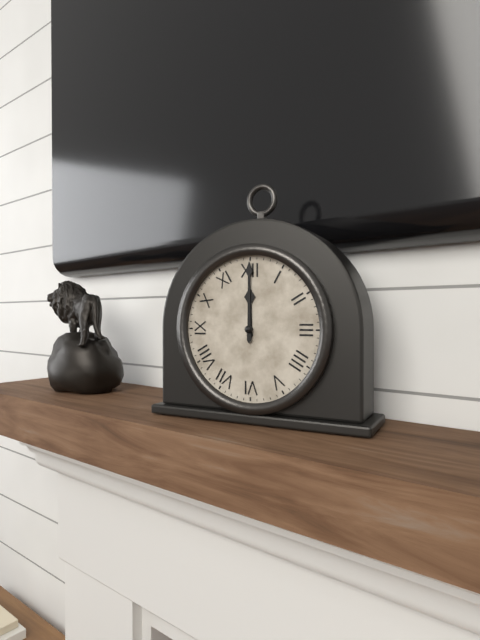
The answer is 12:00
